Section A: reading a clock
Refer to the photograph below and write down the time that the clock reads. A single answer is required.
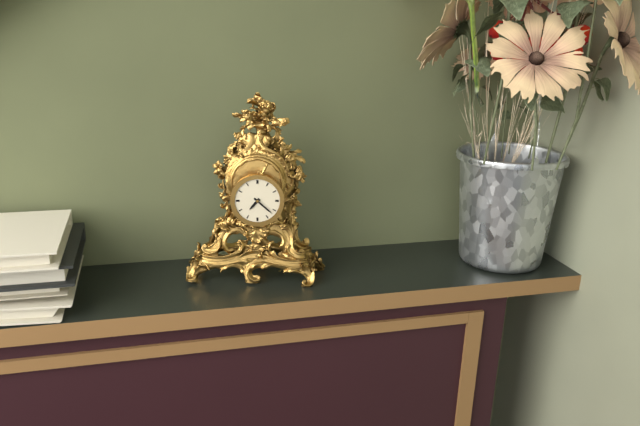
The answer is 7:22
